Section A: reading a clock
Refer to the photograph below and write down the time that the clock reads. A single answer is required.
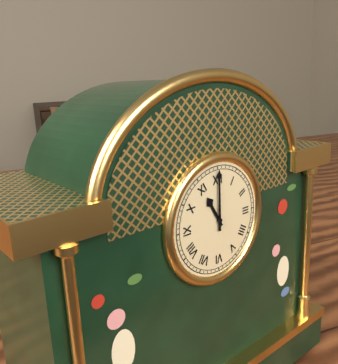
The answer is 11:00
